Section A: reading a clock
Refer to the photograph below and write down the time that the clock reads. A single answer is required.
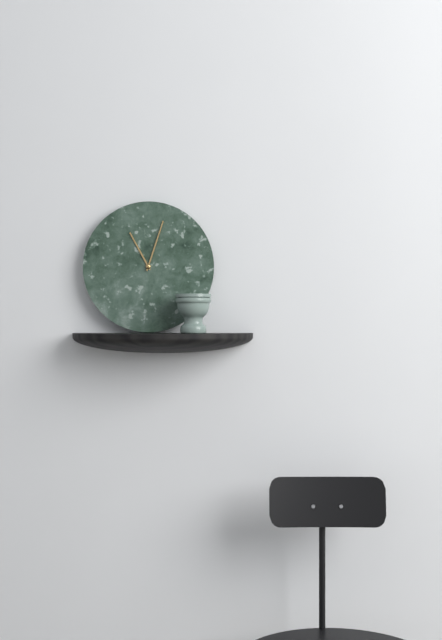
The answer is 11:03
